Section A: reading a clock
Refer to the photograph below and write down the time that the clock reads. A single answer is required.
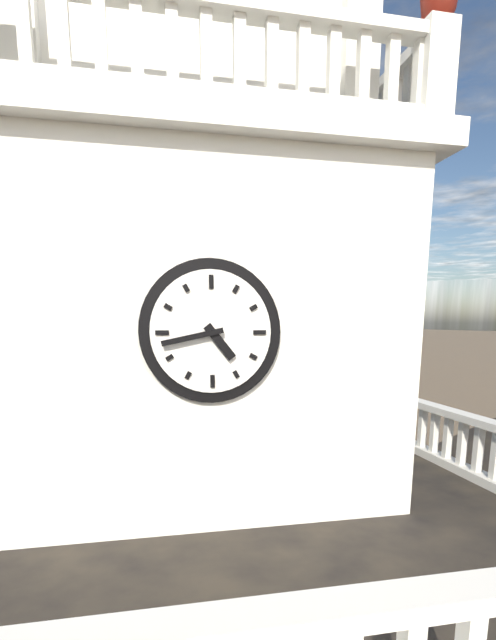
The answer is 4:43
